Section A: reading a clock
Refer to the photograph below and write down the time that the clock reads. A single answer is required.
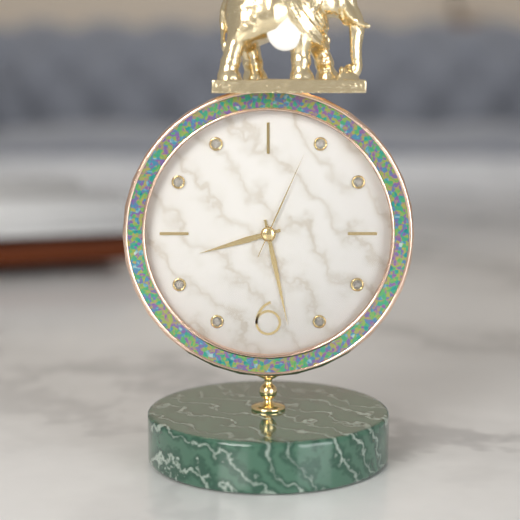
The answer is 8:28:04
